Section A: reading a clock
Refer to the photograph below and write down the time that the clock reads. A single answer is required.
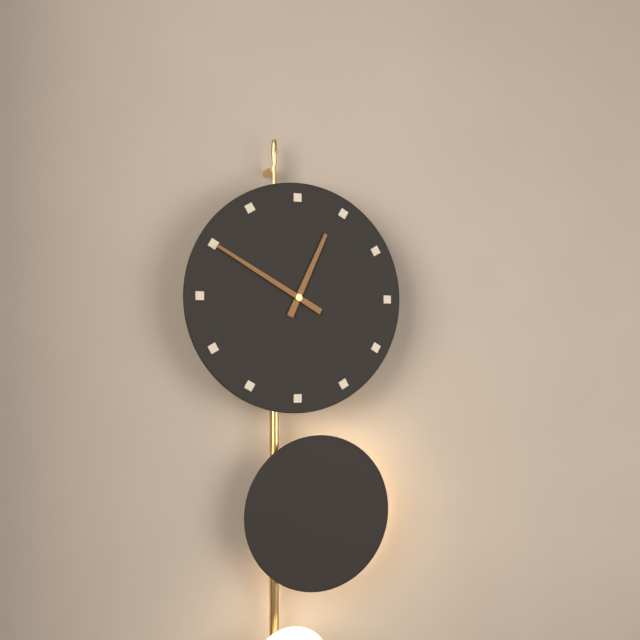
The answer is 12:50
